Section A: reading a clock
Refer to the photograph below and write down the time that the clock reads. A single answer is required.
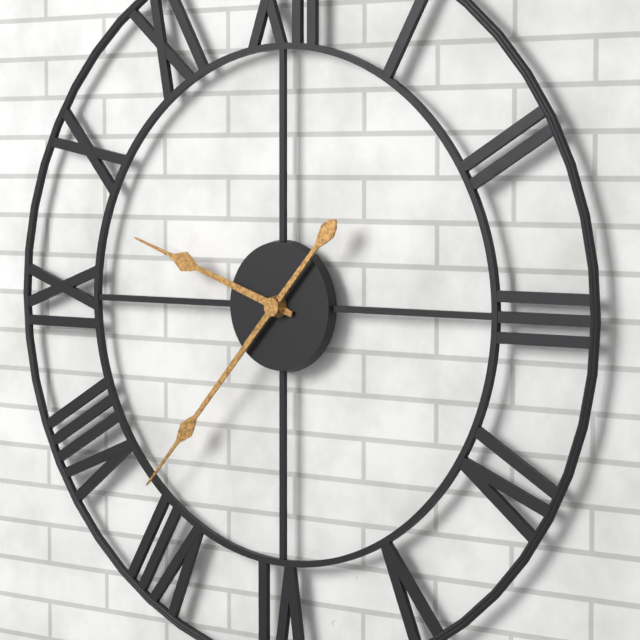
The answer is 9:37
